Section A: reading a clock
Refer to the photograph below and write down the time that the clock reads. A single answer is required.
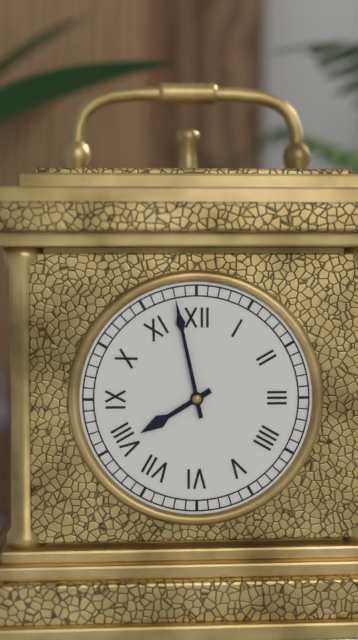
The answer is 7:58
